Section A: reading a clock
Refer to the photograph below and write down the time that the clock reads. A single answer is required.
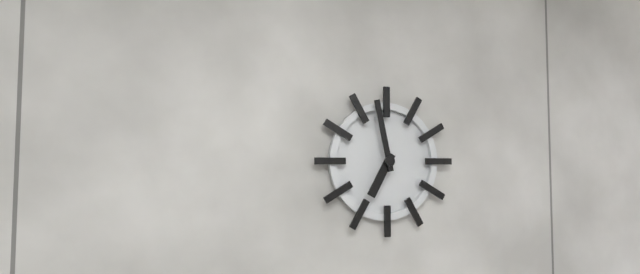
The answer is 6:58
